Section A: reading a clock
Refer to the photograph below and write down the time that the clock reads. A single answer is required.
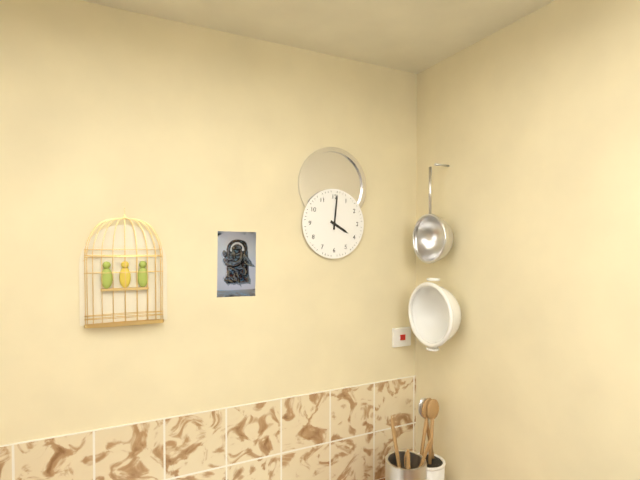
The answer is 4:01
